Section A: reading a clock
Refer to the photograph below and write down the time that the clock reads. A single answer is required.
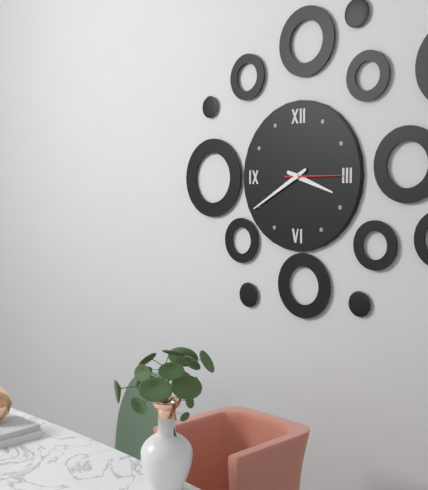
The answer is 3:40:15
